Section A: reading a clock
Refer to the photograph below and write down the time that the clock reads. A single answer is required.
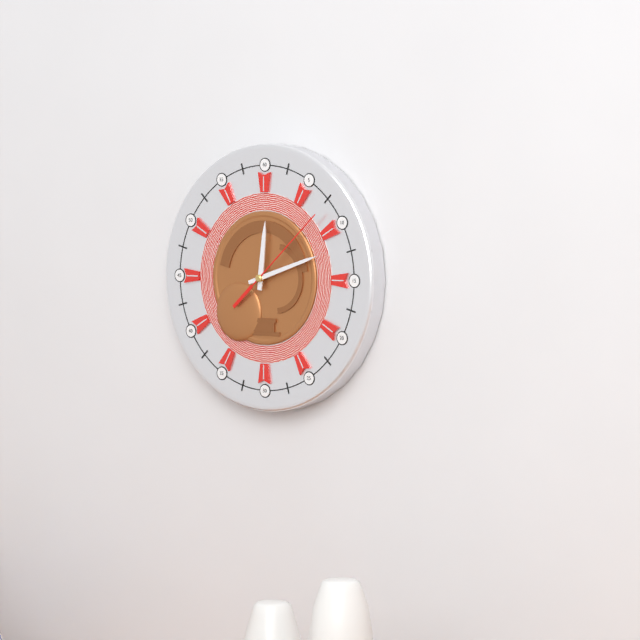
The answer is 12:12:08
